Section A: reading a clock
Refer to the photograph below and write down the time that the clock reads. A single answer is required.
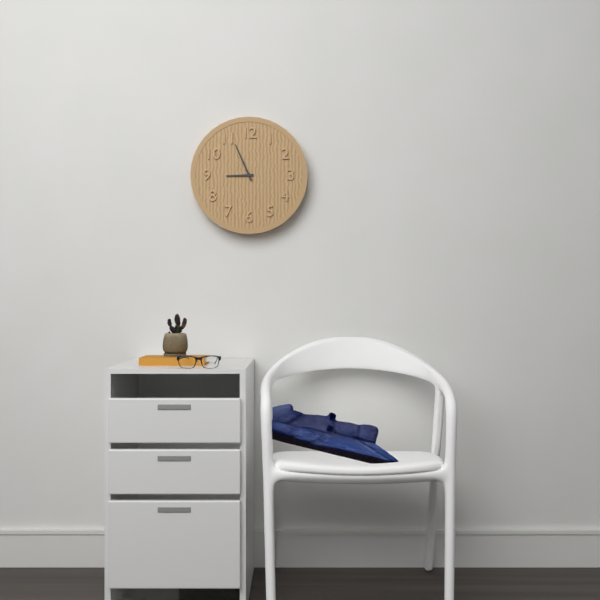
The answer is 8:56
